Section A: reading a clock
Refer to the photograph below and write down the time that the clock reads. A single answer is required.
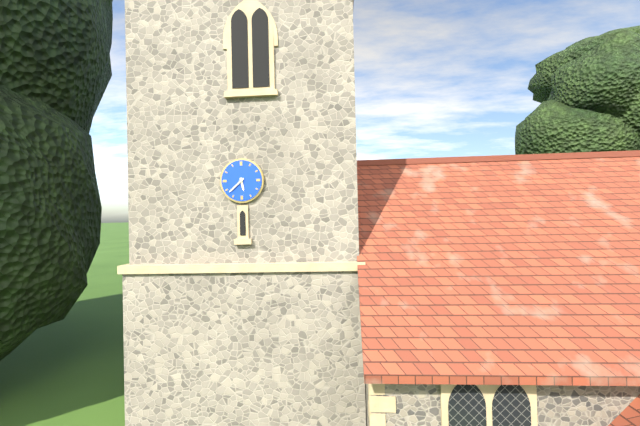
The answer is 5:38
